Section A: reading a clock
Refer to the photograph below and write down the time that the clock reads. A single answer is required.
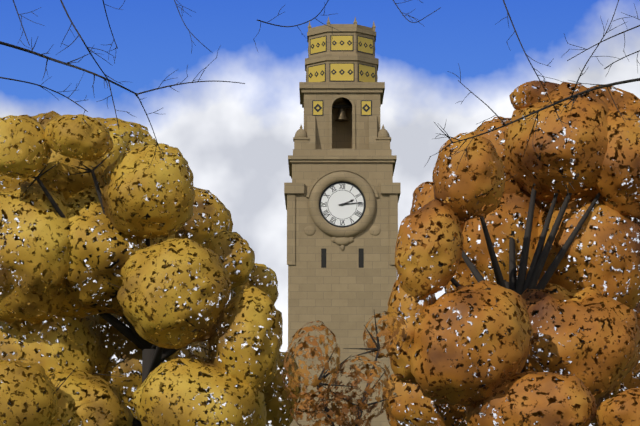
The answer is 2:14
